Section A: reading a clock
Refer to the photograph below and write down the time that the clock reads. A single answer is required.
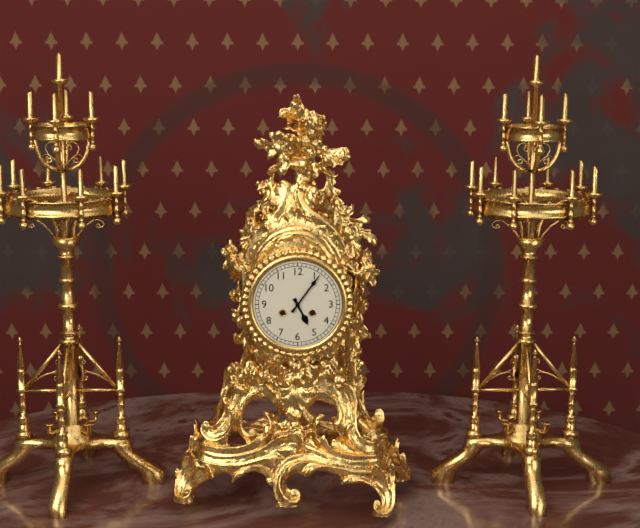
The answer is 5:06
